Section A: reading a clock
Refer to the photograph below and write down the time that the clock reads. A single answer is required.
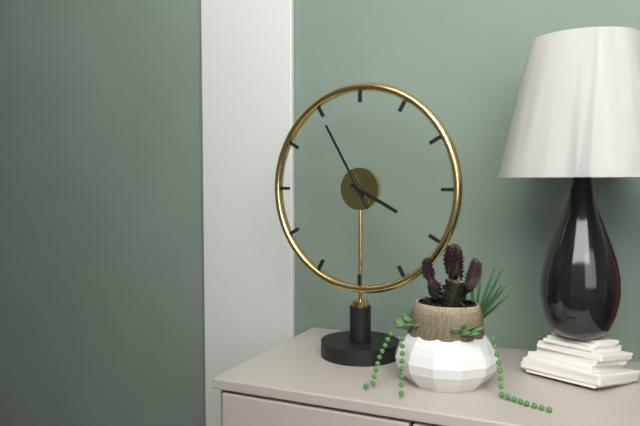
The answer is 3:55
